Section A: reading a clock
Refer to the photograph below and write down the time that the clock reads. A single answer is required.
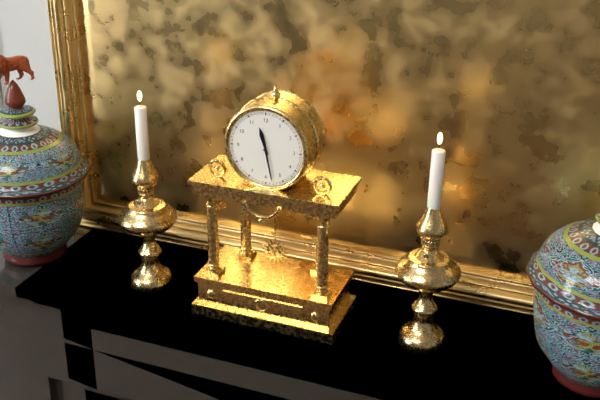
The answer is 11:28
